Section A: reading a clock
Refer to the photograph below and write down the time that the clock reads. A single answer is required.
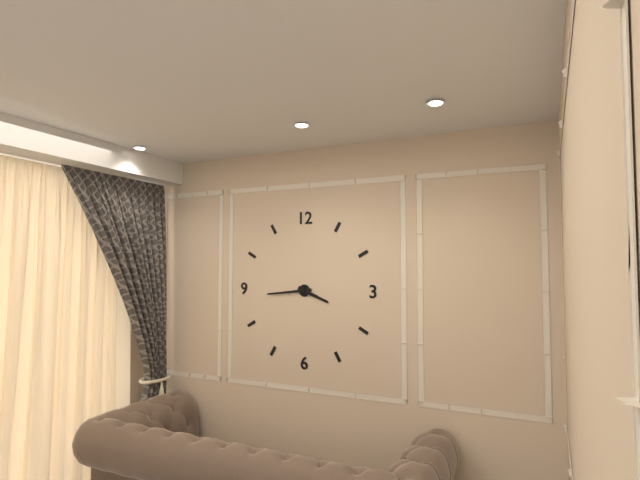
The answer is 3:44
